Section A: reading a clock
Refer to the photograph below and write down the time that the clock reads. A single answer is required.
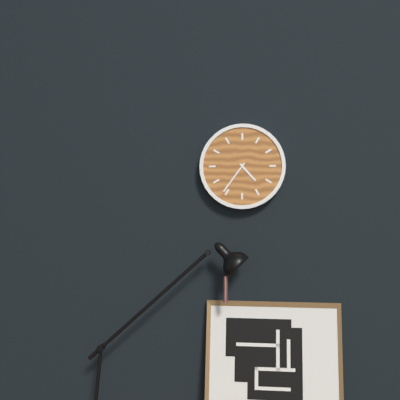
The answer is 4:36
